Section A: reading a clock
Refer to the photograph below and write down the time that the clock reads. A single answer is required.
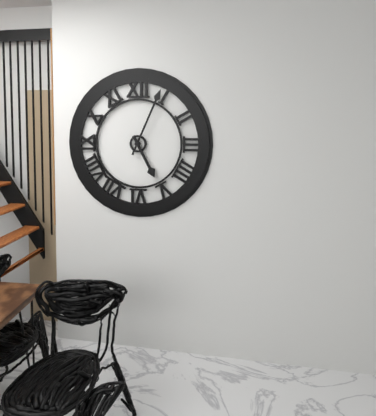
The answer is 5:04
